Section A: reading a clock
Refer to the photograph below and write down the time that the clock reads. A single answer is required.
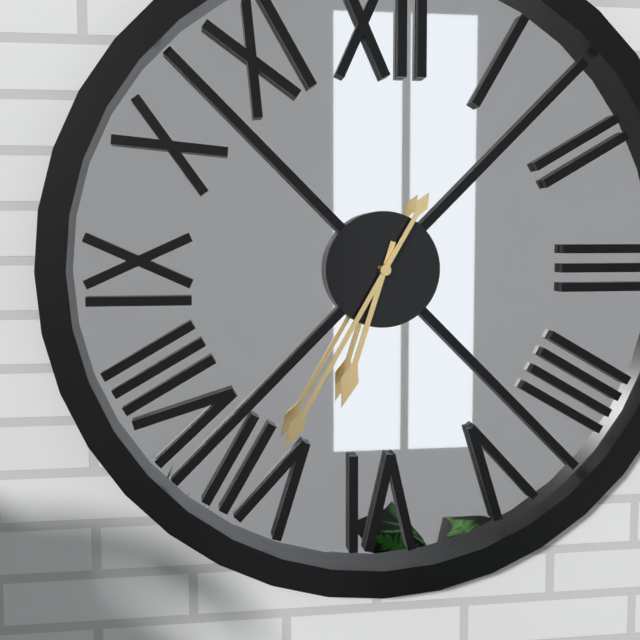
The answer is 6:35
